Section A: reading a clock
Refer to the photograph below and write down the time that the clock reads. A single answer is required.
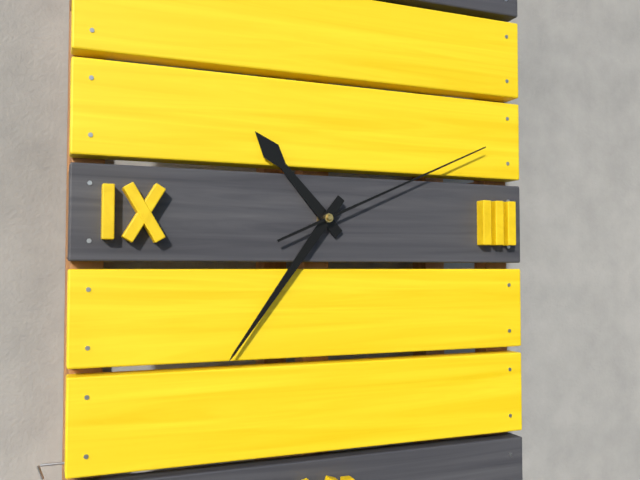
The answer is 10:36:11
